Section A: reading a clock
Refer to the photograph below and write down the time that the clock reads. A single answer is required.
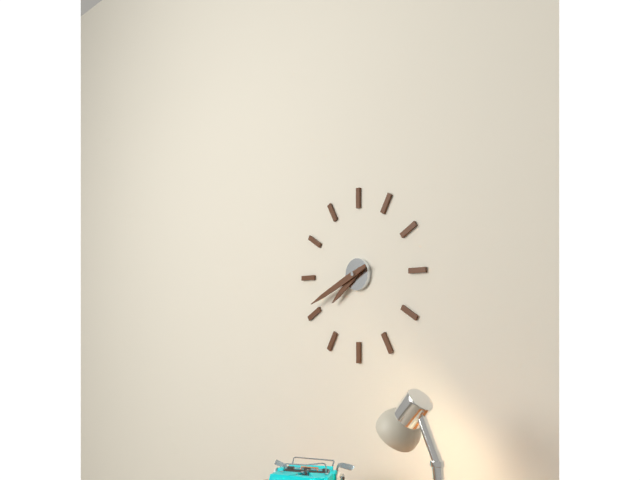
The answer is 7:41
